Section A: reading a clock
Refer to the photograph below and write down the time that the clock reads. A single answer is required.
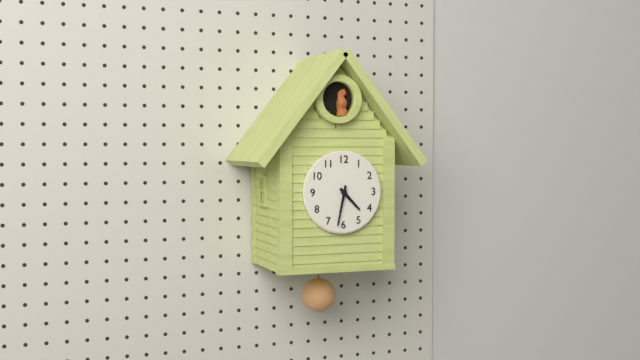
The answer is 4:32
